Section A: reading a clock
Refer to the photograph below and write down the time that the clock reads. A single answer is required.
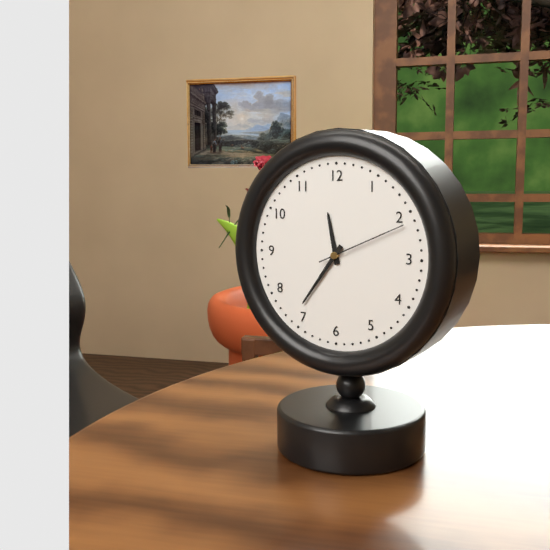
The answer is 11:36:11
